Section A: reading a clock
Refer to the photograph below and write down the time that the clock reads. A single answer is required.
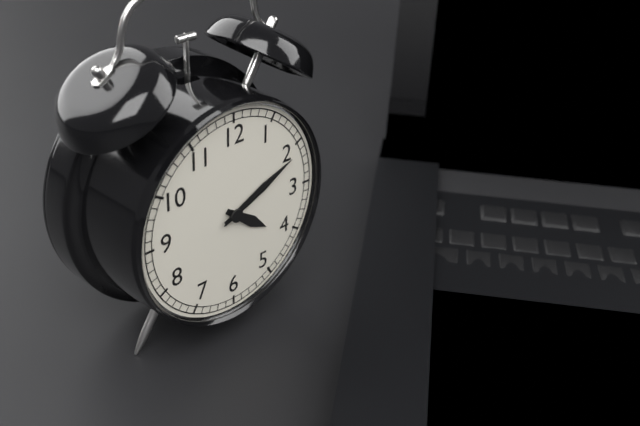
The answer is 4:11:11
